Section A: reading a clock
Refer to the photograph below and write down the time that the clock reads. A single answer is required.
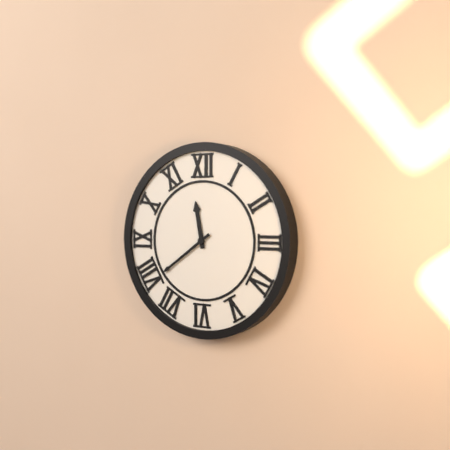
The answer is 11:39
